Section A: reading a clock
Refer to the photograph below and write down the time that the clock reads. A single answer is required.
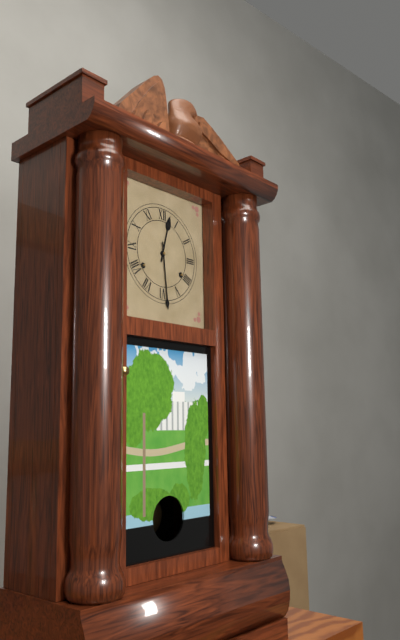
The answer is 12:29
